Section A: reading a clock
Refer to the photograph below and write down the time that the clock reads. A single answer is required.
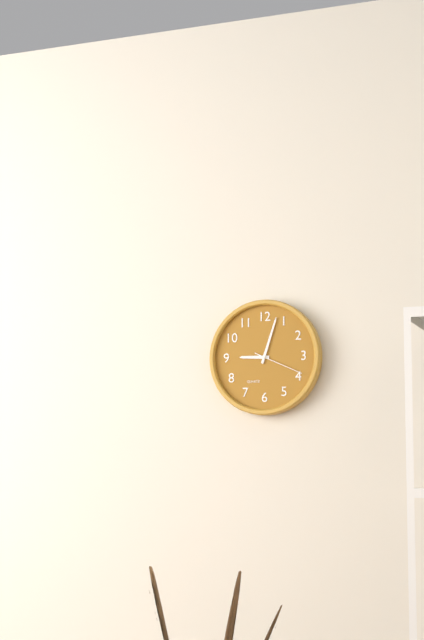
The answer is 9:03:19
